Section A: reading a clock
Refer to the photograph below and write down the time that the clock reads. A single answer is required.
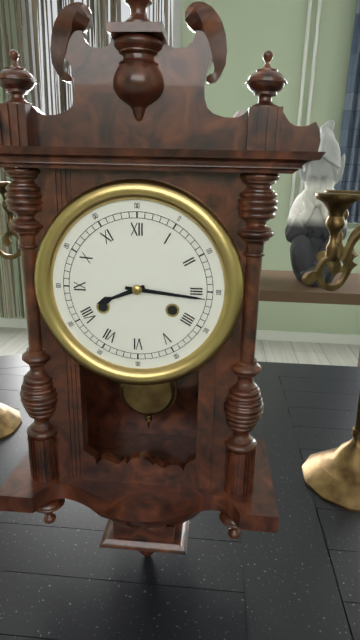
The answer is 8:16
